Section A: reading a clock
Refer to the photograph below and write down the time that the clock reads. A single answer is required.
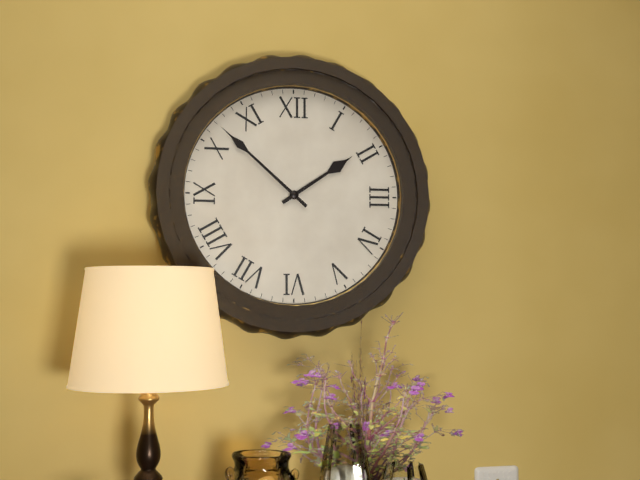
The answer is 1:52
